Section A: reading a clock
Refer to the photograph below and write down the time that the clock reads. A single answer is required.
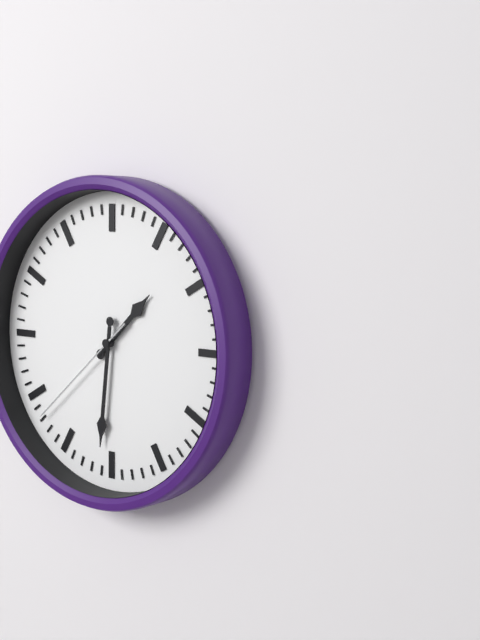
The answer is 1:31:38
